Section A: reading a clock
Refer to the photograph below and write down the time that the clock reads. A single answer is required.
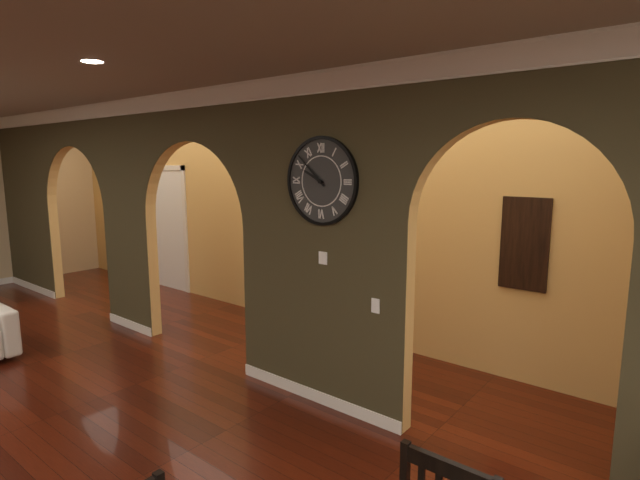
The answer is 9:52
